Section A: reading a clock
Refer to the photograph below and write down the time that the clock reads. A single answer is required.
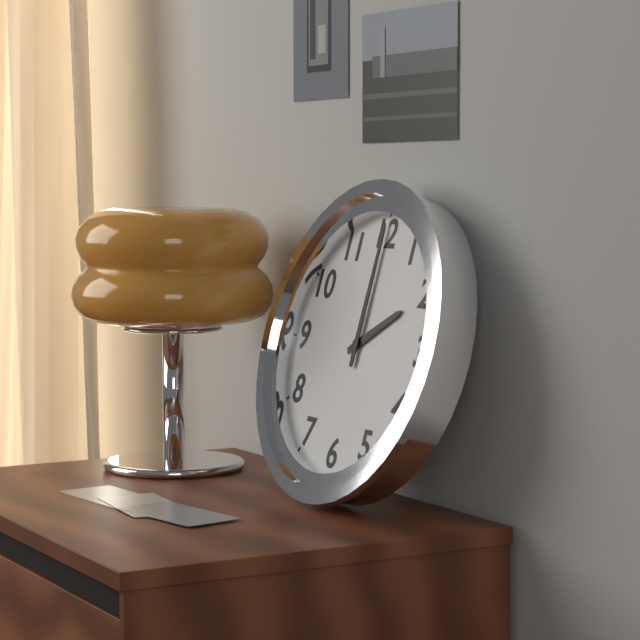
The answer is 2:00
